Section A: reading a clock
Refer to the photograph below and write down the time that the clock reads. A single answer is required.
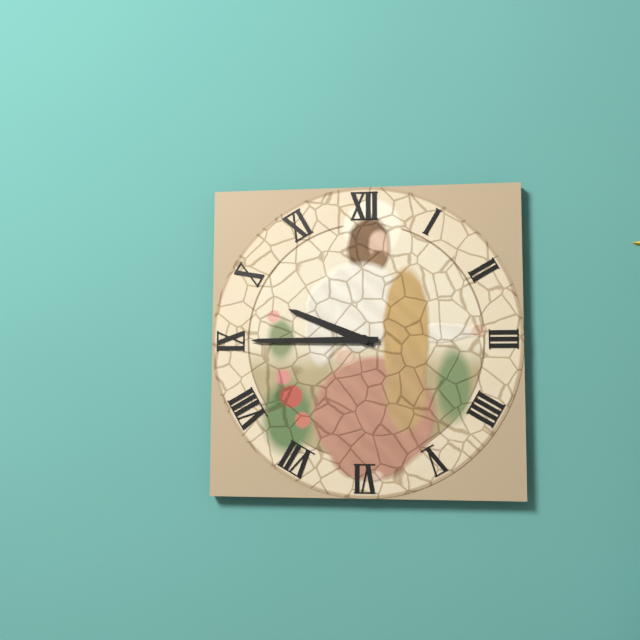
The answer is 9:45
